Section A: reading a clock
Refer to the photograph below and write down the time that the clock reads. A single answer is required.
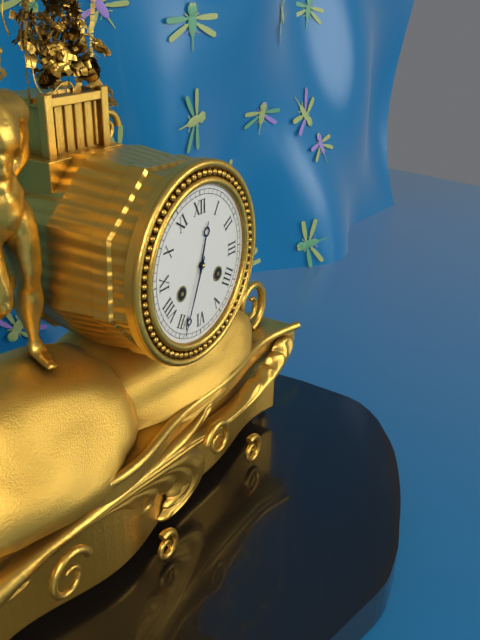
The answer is 12:34
